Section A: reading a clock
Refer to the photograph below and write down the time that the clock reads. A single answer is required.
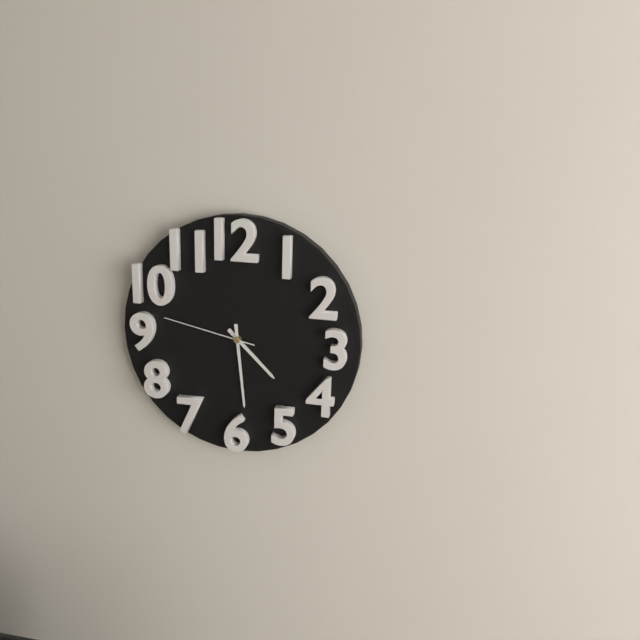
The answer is 4:29:47
